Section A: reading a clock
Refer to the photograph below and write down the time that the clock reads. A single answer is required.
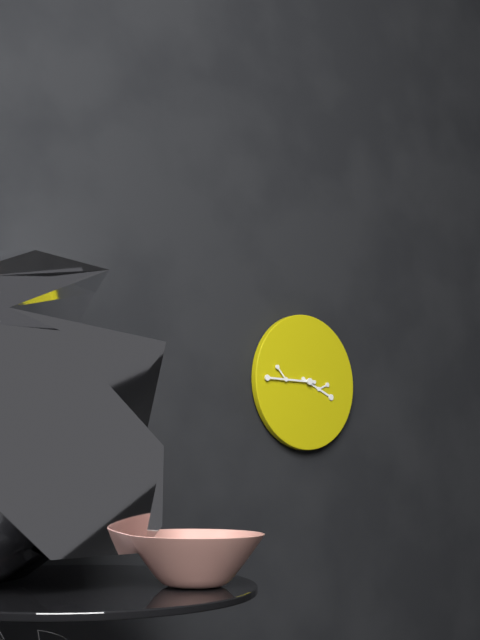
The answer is 3:45
